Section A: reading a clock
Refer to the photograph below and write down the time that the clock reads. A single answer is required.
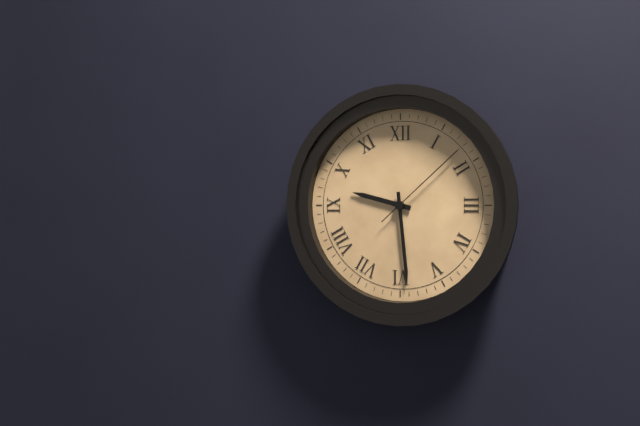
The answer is 9:29:08
